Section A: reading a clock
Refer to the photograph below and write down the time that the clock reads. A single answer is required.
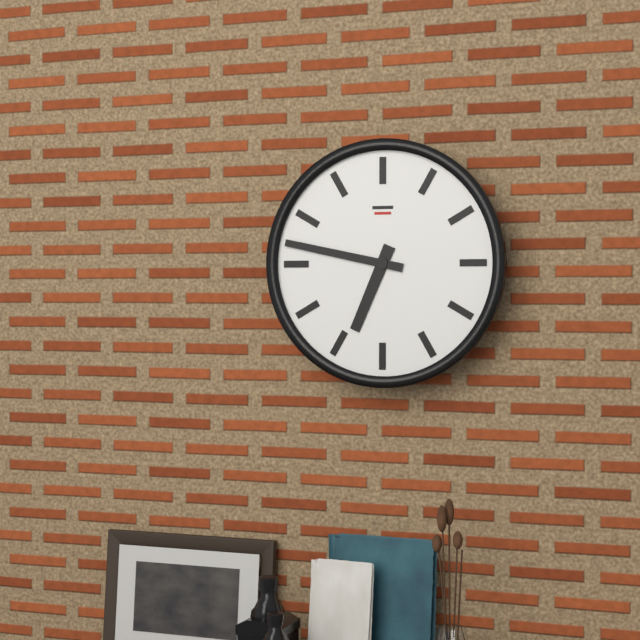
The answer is 6:47
